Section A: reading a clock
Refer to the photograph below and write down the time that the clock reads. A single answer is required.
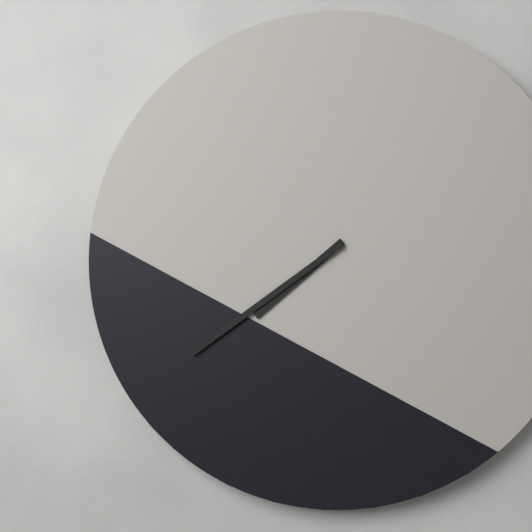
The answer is 7:39
